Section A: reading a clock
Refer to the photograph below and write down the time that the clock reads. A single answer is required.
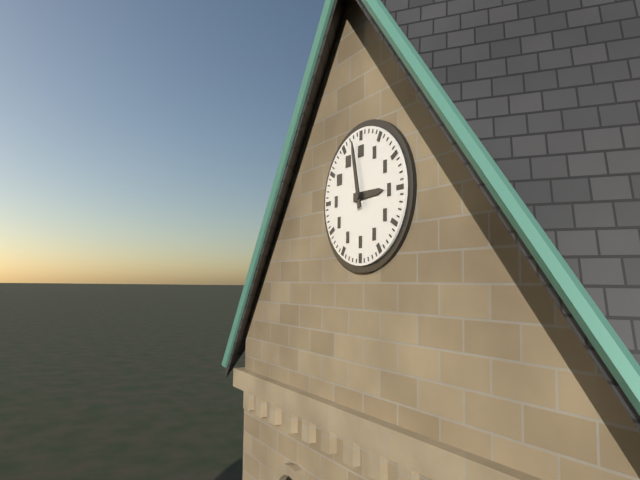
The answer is 2:58
